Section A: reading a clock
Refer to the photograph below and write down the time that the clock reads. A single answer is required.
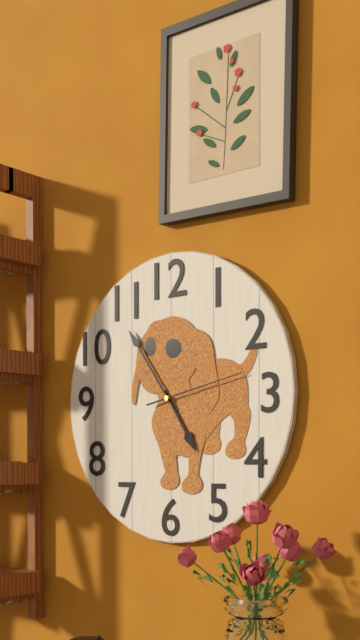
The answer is 4:54:13
